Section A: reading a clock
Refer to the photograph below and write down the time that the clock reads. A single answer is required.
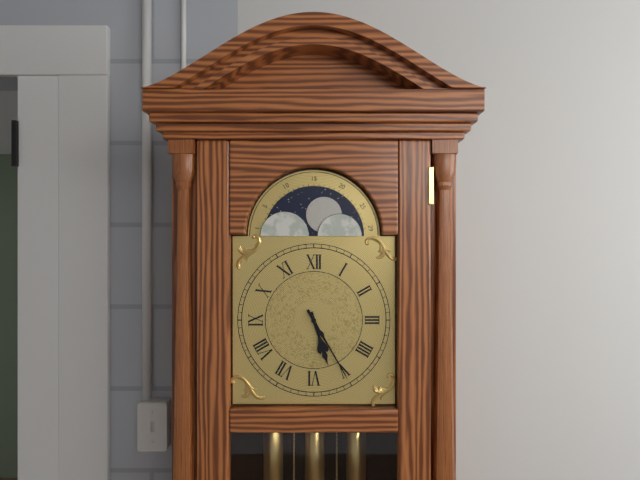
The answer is 5:25
